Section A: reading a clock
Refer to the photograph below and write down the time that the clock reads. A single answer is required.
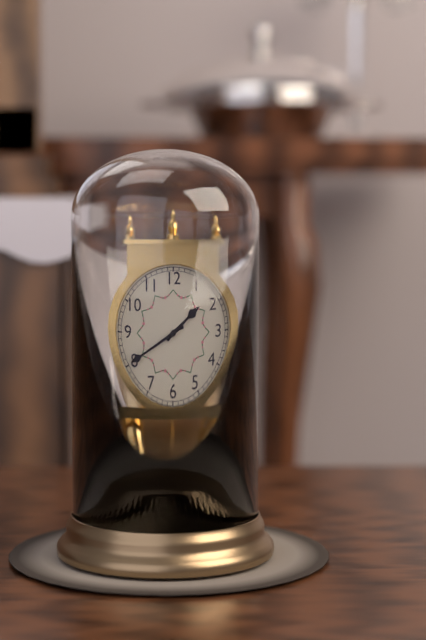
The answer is 1:40
